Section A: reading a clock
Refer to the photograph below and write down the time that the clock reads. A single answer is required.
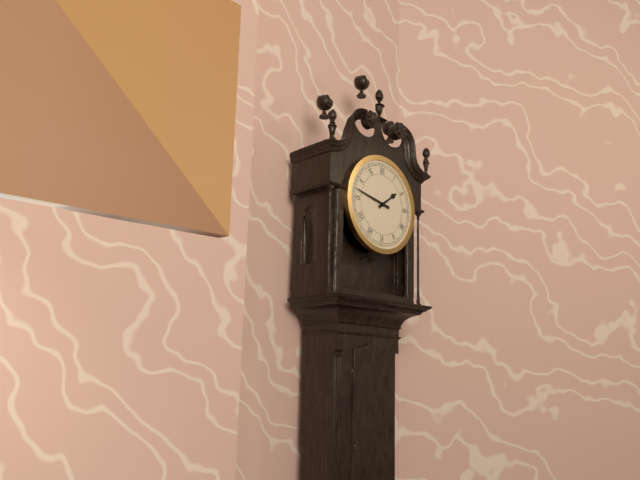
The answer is 1:47
